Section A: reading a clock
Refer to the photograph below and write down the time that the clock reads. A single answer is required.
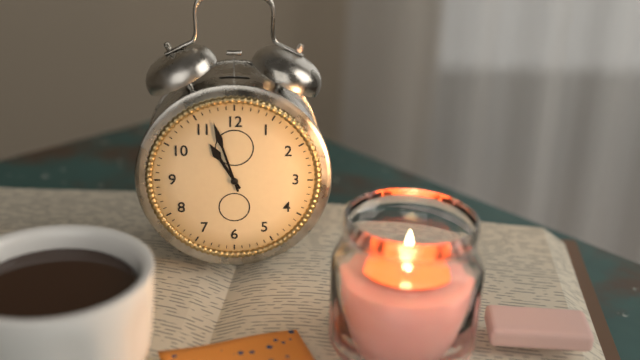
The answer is 10:57
